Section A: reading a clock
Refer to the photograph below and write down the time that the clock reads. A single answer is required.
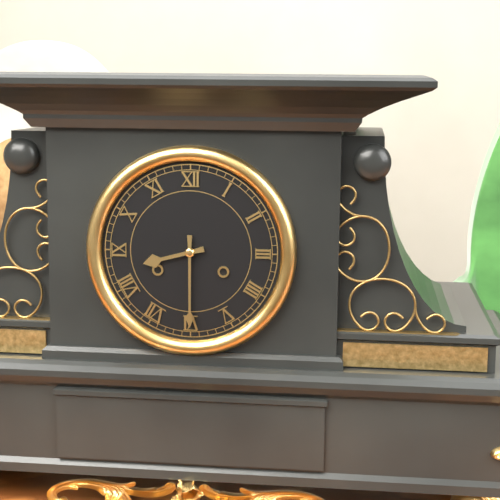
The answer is 8:30
